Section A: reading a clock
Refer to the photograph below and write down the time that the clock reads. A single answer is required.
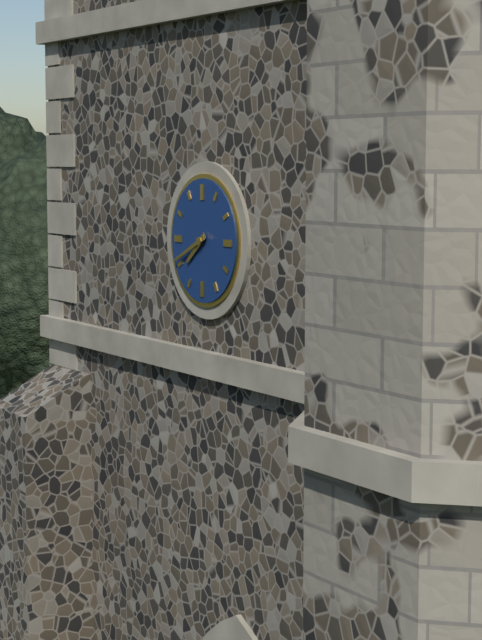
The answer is 7:41
